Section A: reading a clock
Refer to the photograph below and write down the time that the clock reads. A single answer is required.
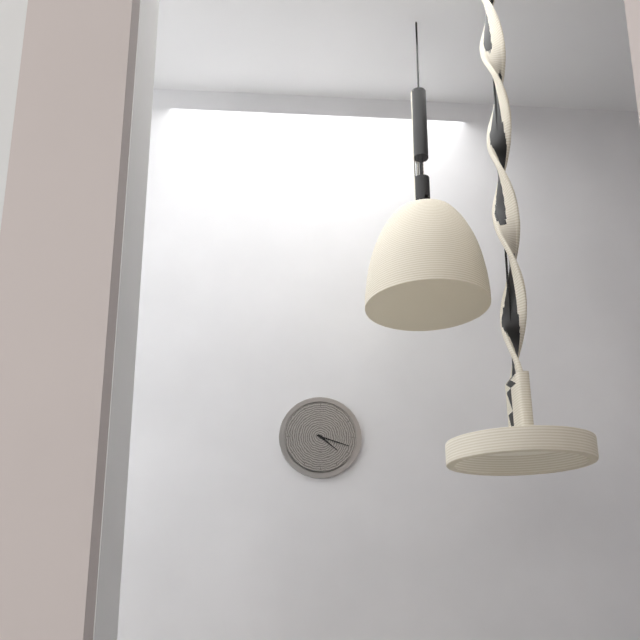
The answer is 4:18
